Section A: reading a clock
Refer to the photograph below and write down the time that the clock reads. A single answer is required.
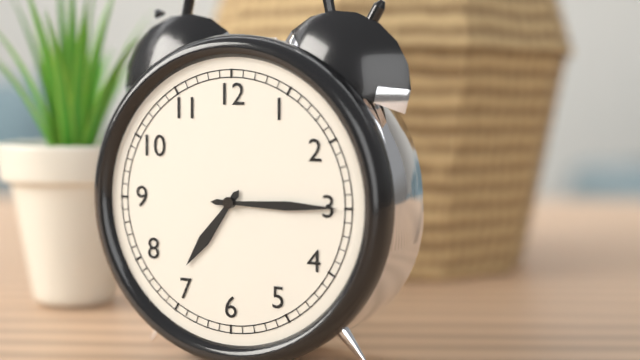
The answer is 7:15
